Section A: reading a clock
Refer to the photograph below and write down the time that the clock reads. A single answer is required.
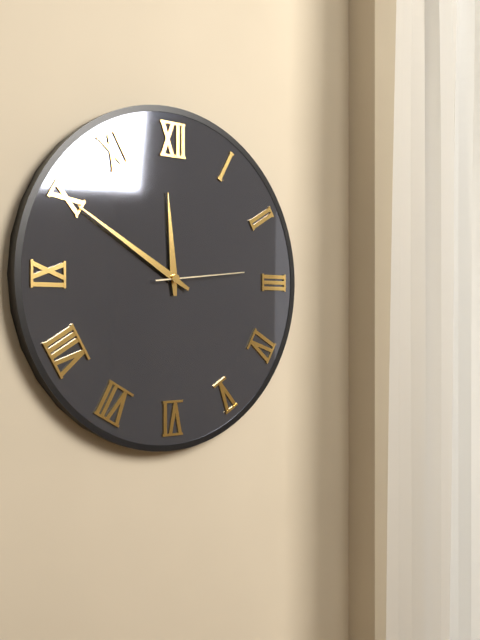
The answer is 11:50:14
